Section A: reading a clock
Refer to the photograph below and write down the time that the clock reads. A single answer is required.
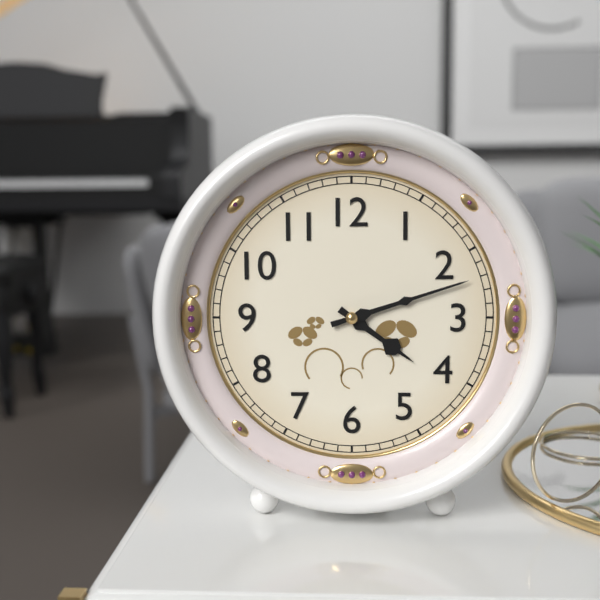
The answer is 4:12
